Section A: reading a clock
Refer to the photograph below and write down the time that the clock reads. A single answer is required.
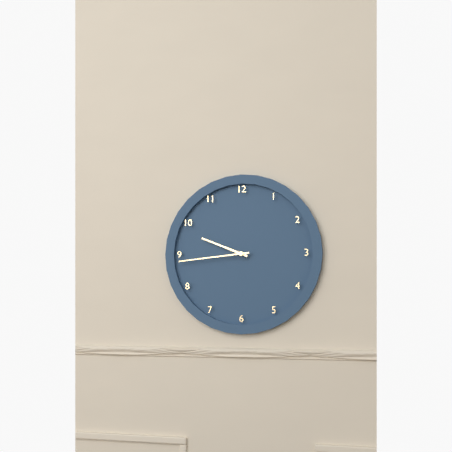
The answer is 9:44
